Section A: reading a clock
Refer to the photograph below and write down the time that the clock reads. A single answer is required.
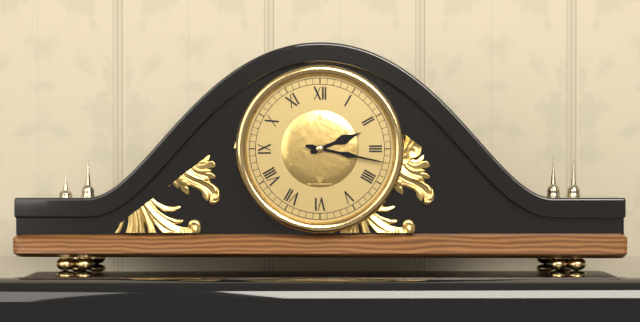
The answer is 2:17
